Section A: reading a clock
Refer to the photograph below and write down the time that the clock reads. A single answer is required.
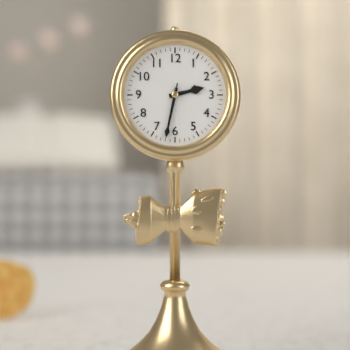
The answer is 2:32:32
